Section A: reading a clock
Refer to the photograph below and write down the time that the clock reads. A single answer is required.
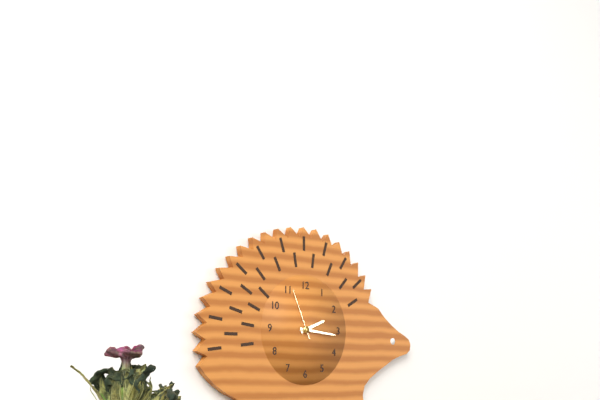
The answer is 2:16:56
